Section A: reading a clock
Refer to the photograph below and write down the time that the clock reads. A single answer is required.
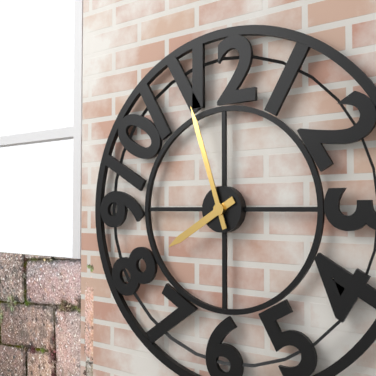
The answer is 7:57
